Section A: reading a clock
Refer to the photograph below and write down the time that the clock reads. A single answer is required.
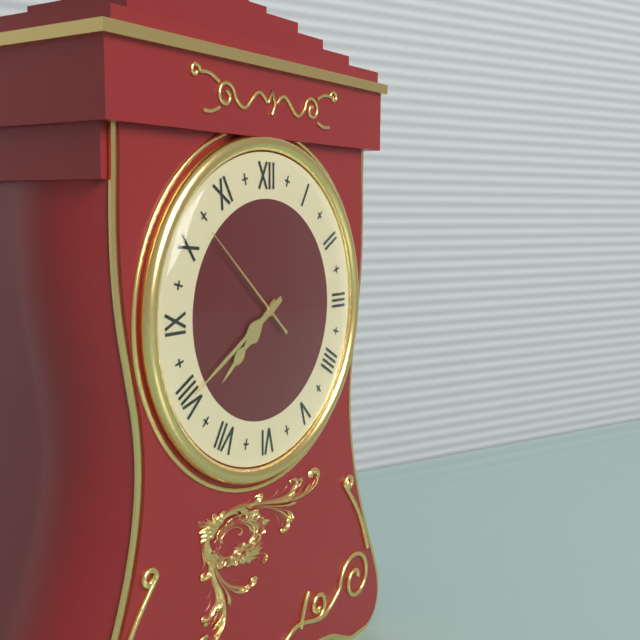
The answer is 7:40:52
